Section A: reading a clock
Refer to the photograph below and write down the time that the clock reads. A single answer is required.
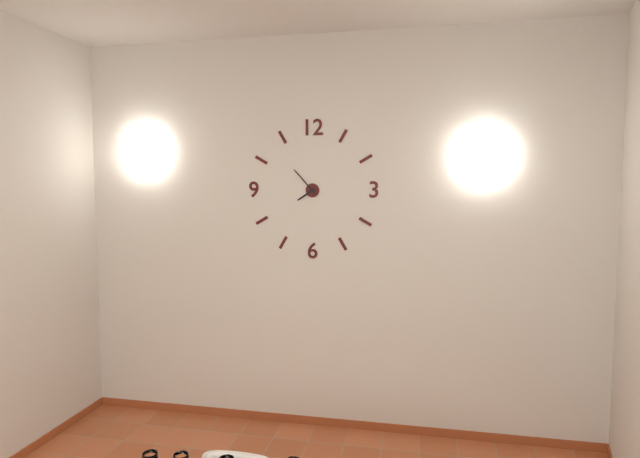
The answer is 7:53
